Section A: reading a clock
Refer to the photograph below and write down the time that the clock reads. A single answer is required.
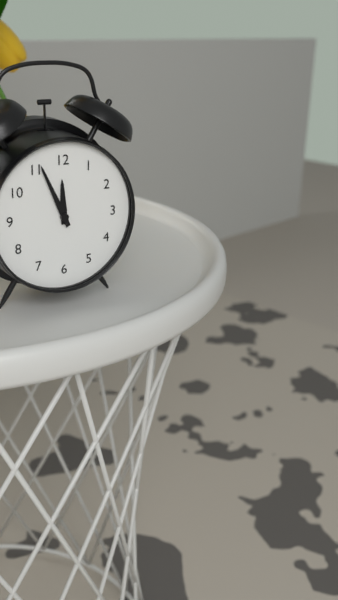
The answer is 11:56
